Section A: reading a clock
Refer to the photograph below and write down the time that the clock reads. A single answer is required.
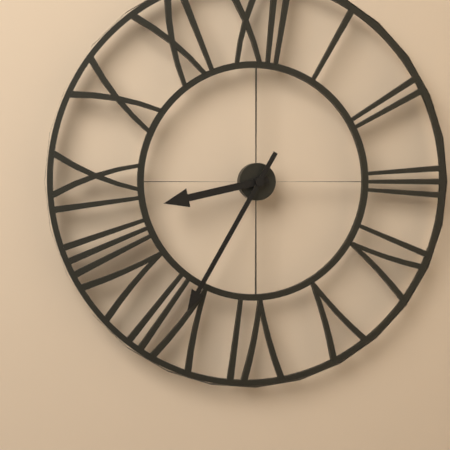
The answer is 8:35
